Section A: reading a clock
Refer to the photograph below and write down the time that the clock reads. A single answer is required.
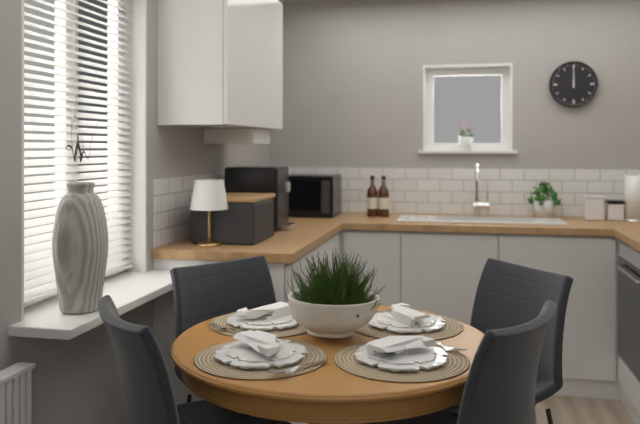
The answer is 12:00
